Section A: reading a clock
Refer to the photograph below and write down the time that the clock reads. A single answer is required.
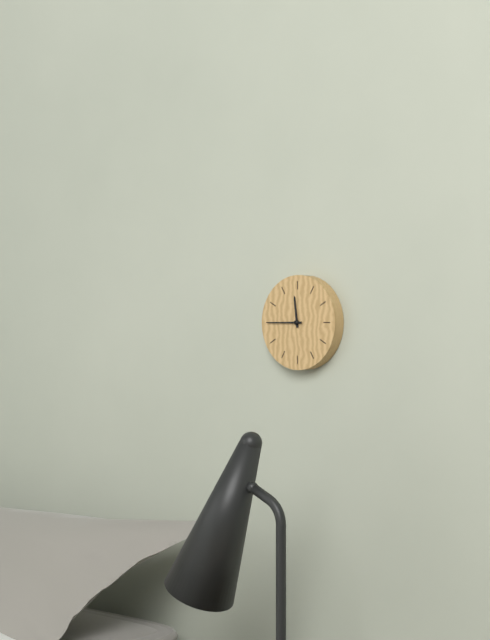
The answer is 11:45
